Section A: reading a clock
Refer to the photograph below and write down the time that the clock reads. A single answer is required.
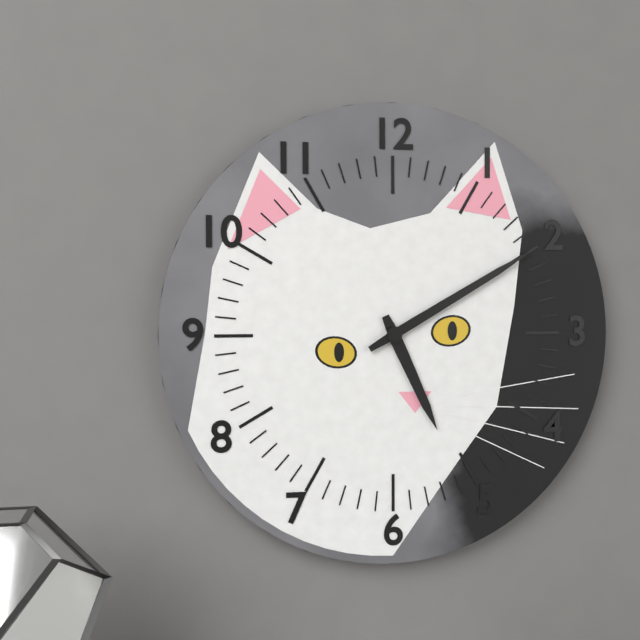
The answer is 5:10
